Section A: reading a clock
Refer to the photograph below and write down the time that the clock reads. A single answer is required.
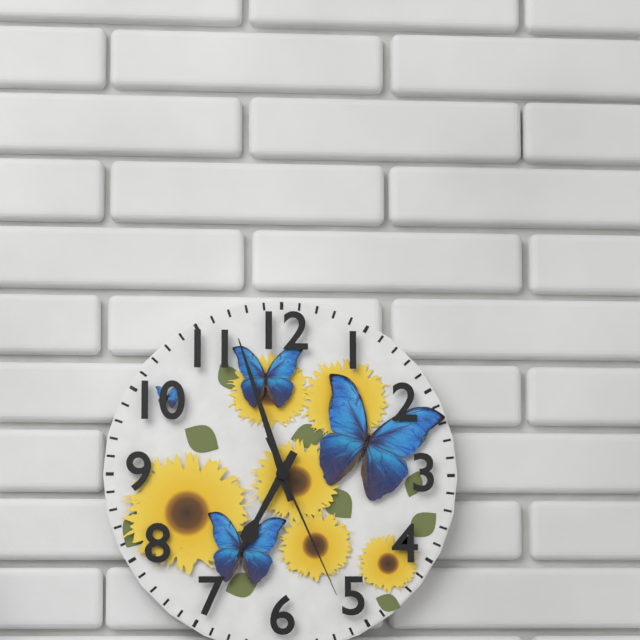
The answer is 6:57:26
